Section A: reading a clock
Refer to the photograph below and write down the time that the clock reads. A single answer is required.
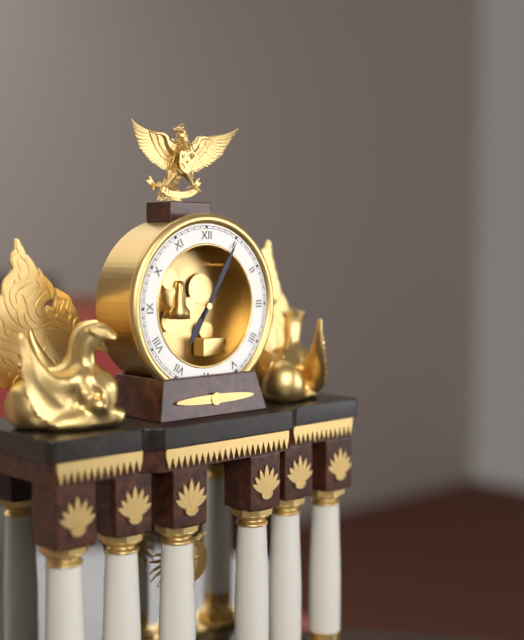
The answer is 7:05
